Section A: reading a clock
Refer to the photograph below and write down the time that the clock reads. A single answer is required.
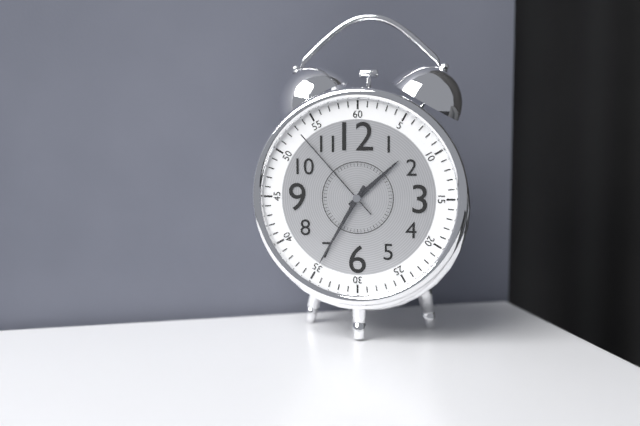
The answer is 1:35:53
